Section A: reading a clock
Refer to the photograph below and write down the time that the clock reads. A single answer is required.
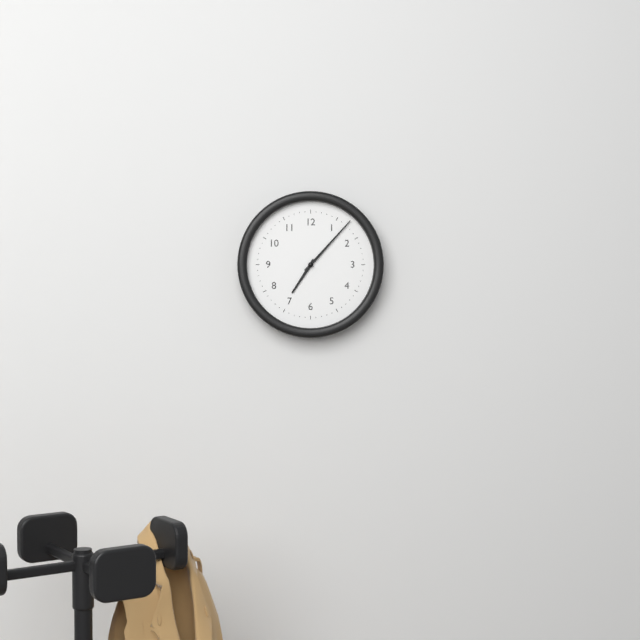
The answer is 7:07
